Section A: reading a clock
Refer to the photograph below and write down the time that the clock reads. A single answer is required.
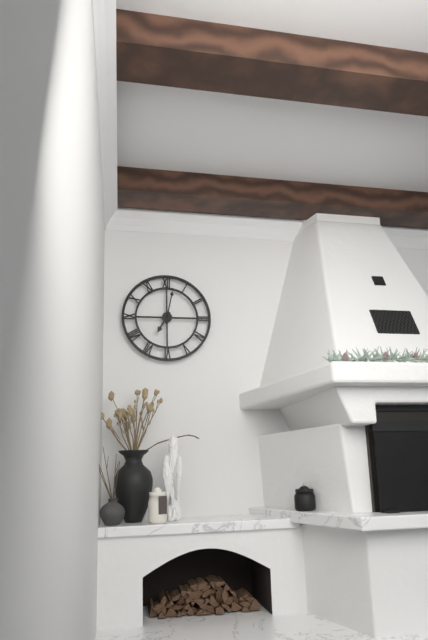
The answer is 7:02
